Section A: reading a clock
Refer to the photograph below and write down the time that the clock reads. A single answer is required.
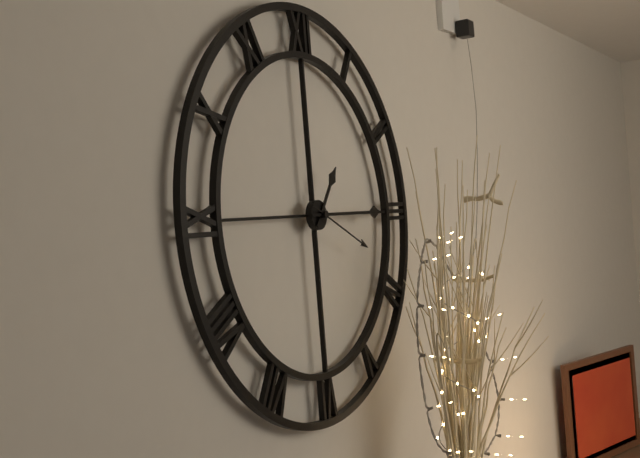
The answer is 1:15:19
